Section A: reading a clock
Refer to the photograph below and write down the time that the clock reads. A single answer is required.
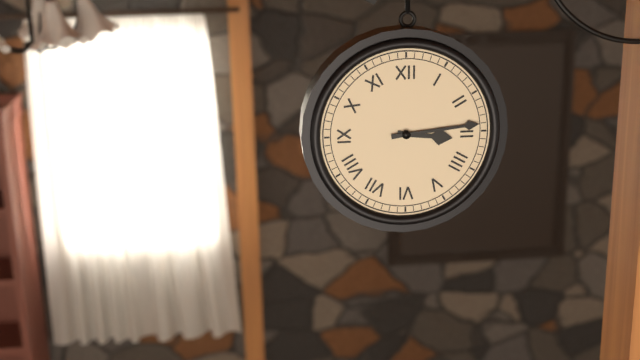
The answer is 3:14
